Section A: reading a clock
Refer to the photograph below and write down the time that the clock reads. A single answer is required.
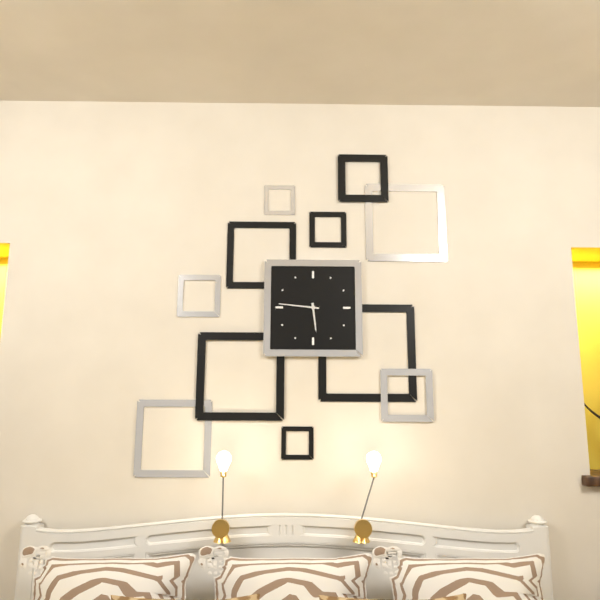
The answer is 5:46
